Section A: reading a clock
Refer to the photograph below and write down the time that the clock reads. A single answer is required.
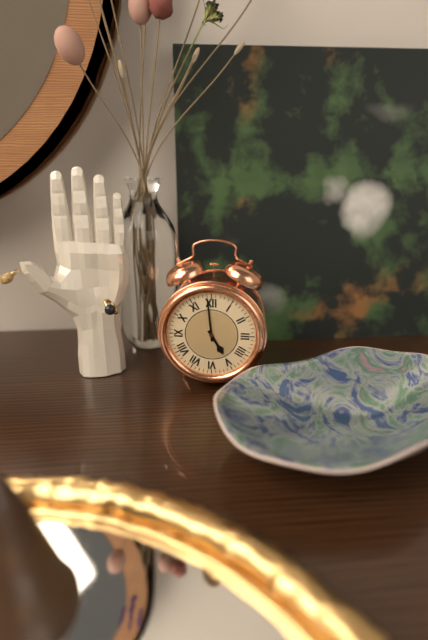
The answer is 4:59
